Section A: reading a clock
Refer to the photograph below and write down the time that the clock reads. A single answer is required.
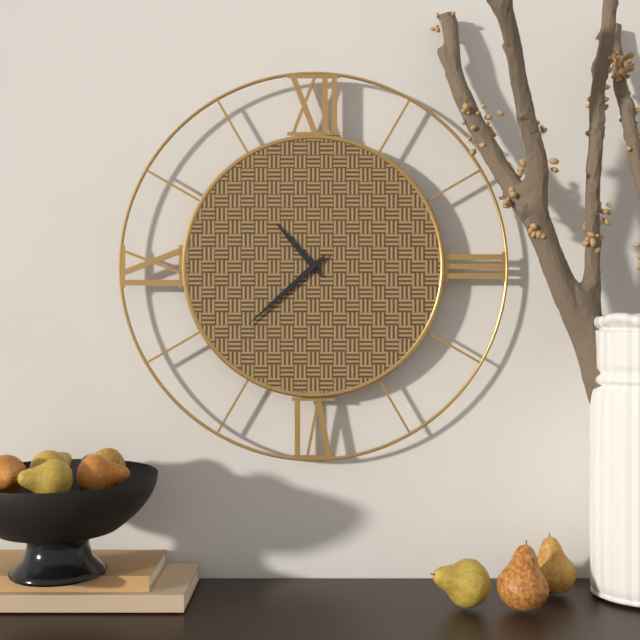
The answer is 10:38
